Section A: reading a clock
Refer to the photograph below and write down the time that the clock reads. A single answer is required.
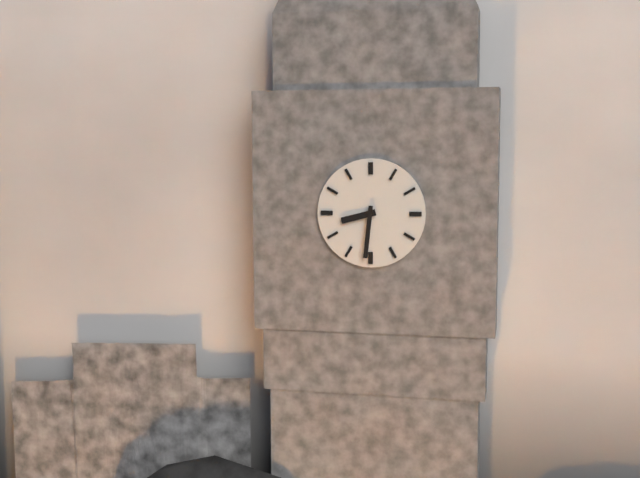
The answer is 8:31
